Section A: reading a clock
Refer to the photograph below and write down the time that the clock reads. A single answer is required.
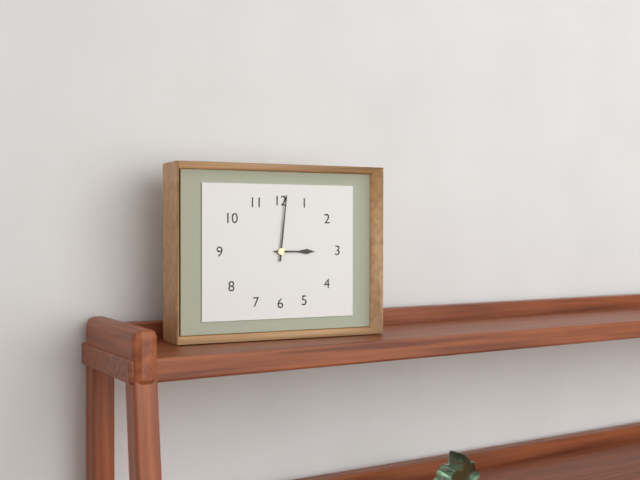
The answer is 3:01
